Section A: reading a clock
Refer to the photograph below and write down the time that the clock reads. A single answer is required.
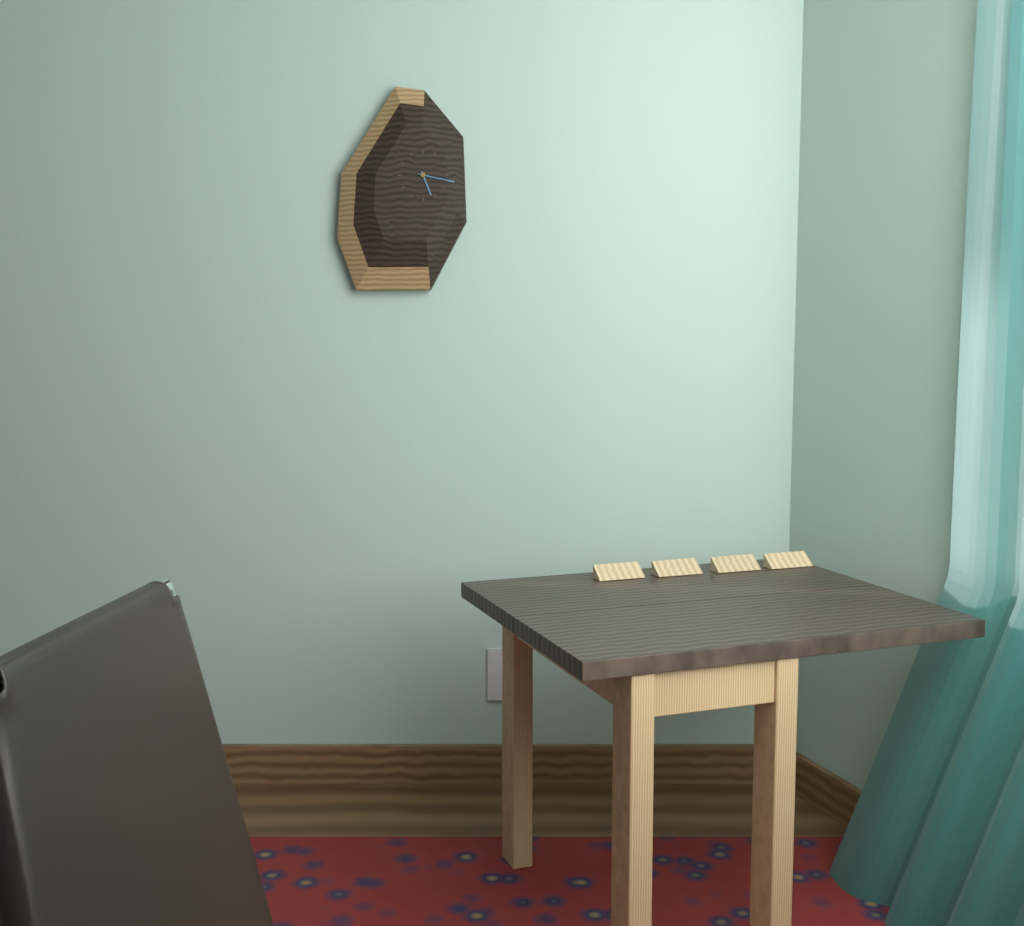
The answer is 5:17
